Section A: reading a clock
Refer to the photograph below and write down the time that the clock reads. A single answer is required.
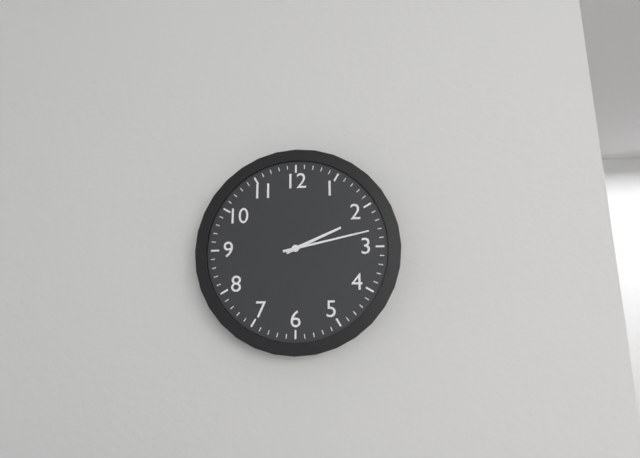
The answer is 2:13
